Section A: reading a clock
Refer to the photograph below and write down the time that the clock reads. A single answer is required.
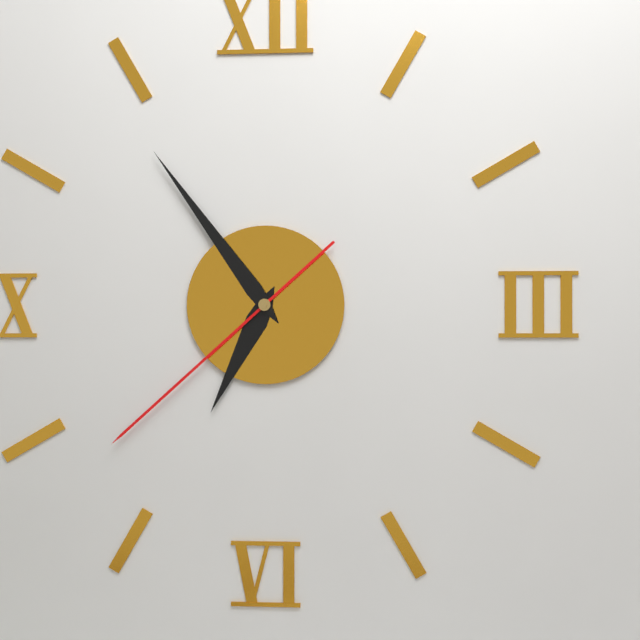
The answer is 6:54:38
